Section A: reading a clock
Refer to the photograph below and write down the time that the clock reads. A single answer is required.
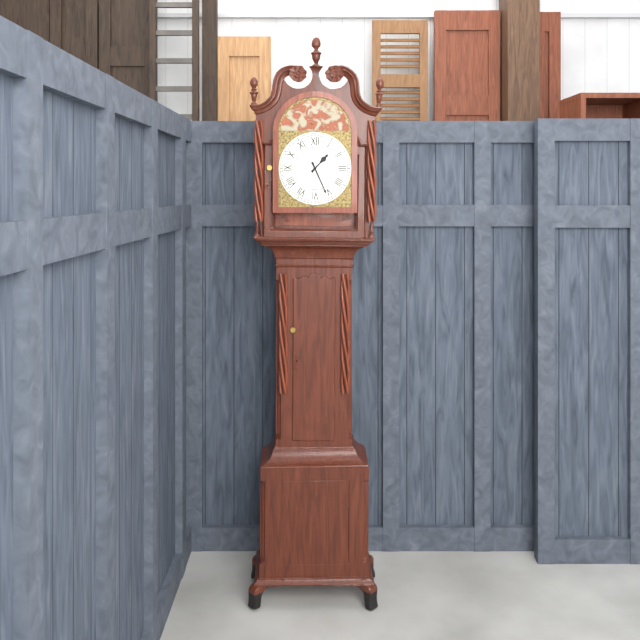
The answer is 1:26
